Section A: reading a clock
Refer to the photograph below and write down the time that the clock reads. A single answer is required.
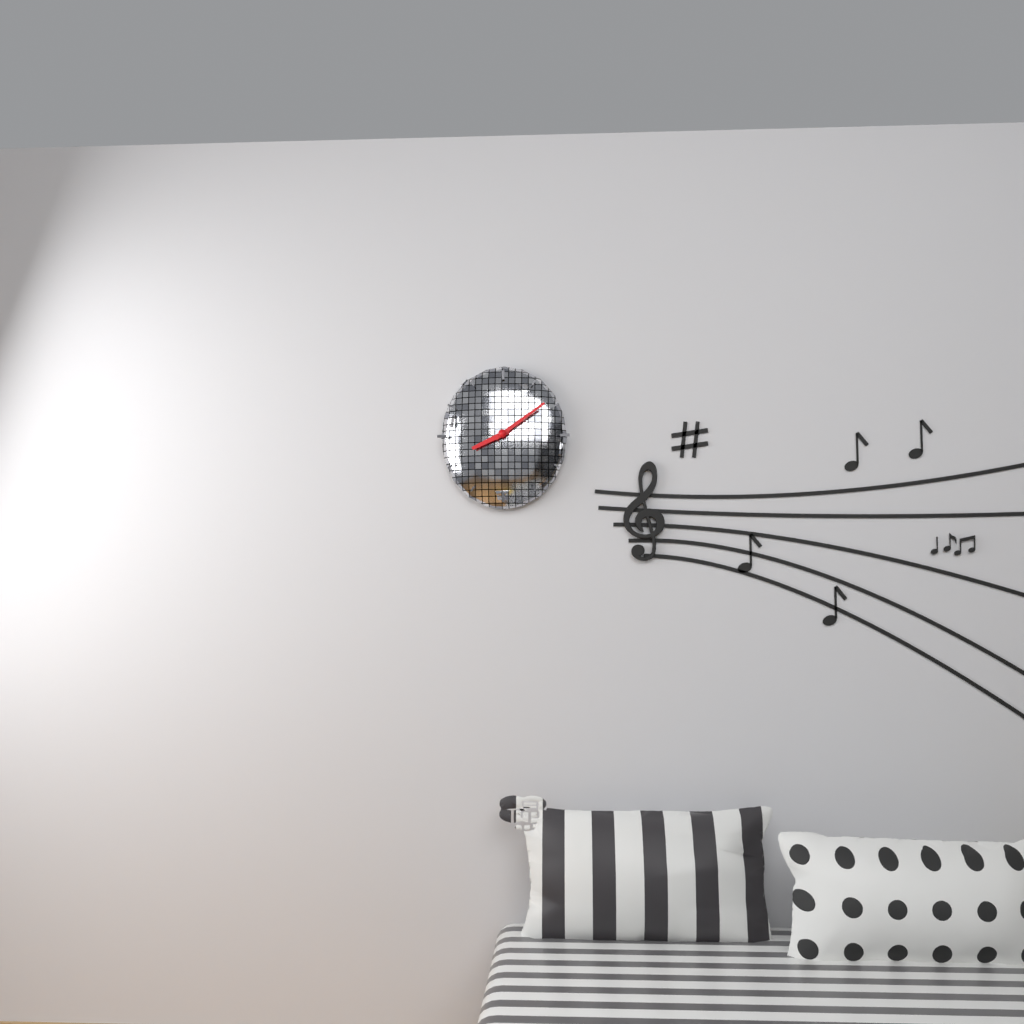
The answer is 8:09
